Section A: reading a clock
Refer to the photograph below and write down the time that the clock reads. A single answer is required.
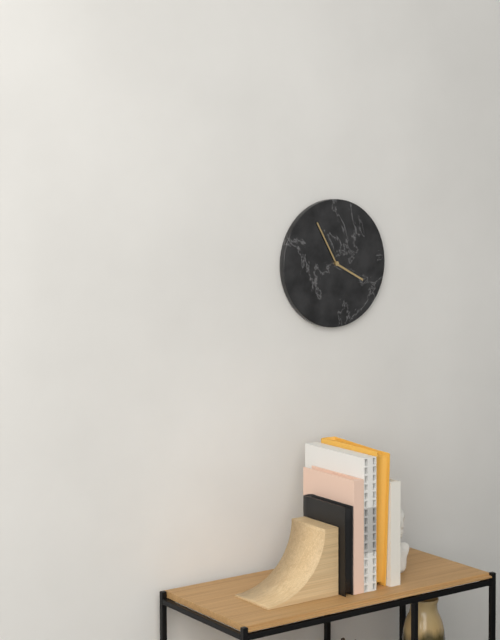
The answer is 3:55
